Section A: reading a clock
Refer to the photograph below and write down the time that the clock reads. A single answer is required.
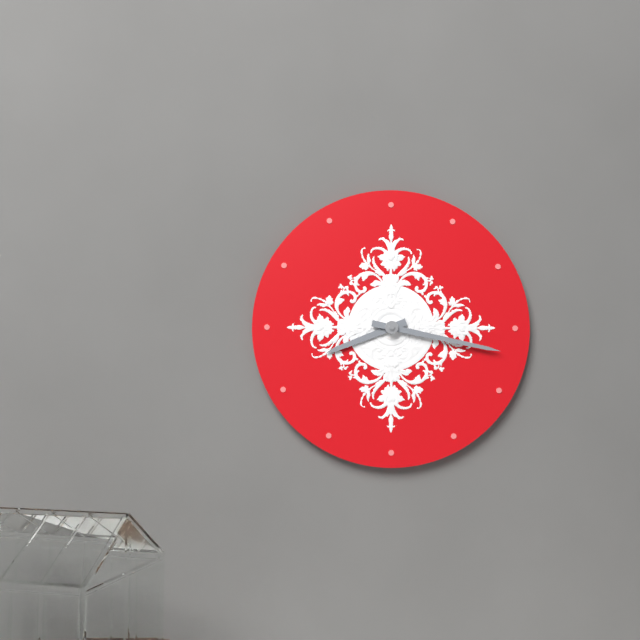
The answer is 8:17
